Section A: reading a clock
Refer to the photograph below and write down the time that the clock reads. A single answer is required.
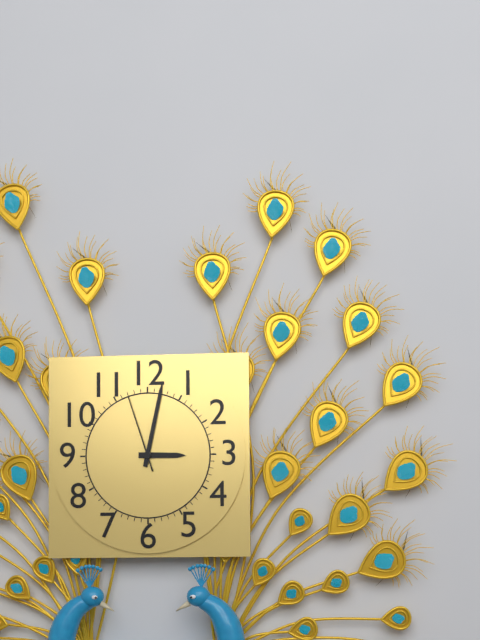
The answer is 3:02:57
